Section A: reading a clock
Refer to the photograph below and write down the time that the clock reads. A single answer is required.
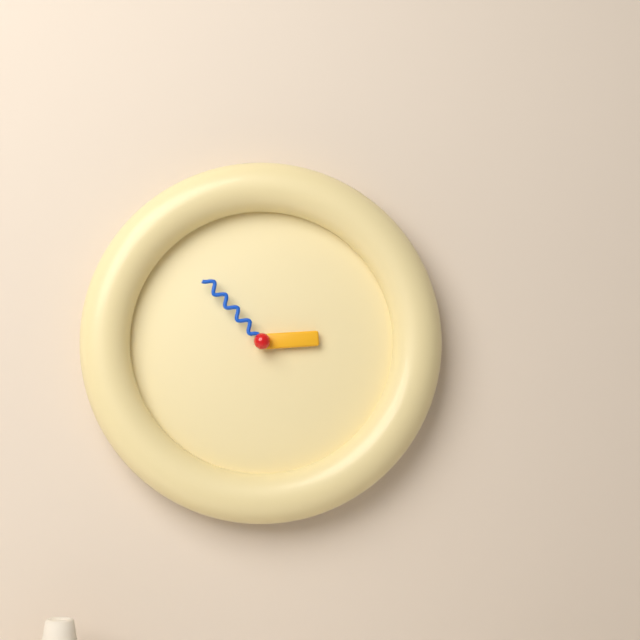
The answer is 2:53
